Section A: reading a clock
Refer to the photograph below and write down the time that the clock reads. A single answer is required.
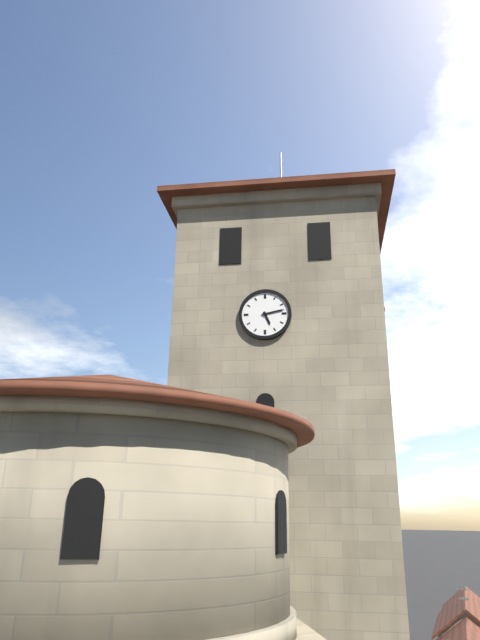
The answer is 5:13
